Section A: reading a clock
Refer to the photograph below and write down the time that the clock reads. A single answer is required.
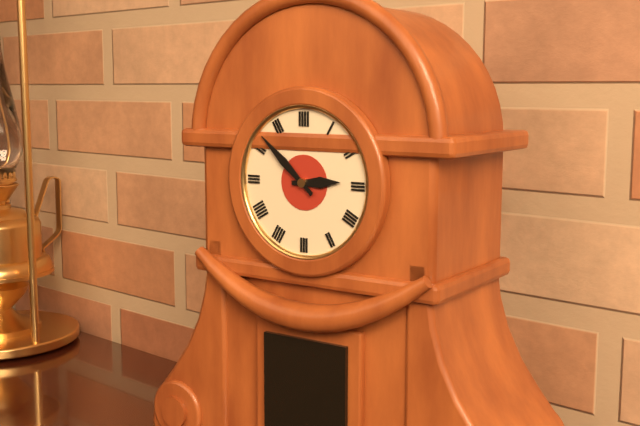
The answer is 2:52
